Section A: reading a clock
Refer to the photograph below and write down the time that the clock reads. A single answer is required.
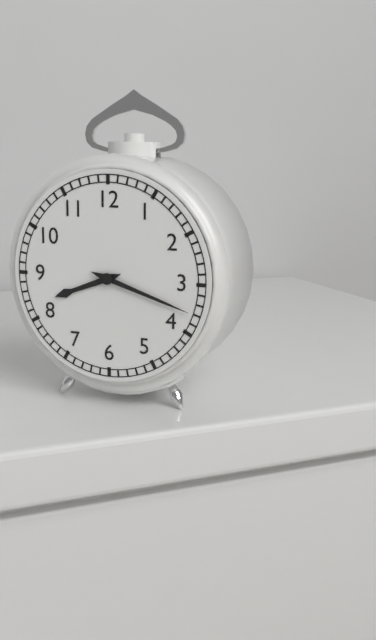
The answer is 8:18
